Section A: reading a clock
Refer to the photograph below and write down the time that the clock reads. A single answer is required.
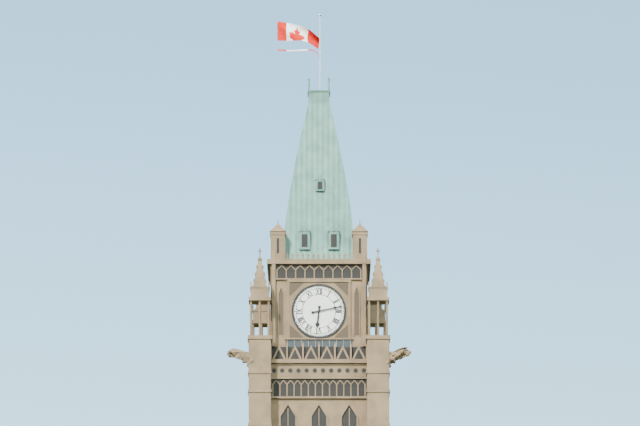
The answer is 6:13
